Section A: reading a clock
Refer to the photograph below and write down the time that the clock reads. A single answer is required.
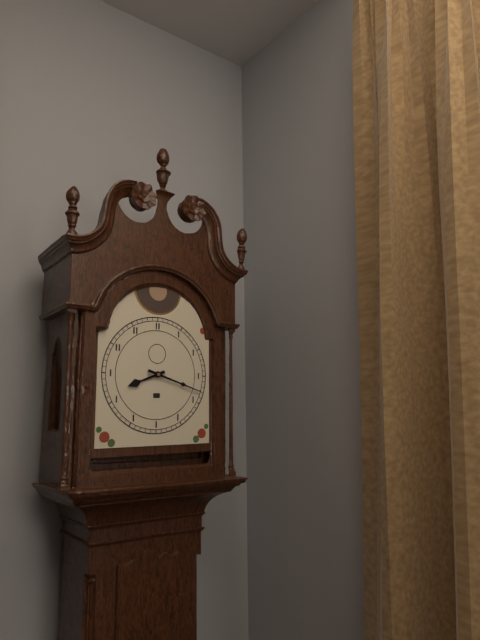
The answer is 8:18
